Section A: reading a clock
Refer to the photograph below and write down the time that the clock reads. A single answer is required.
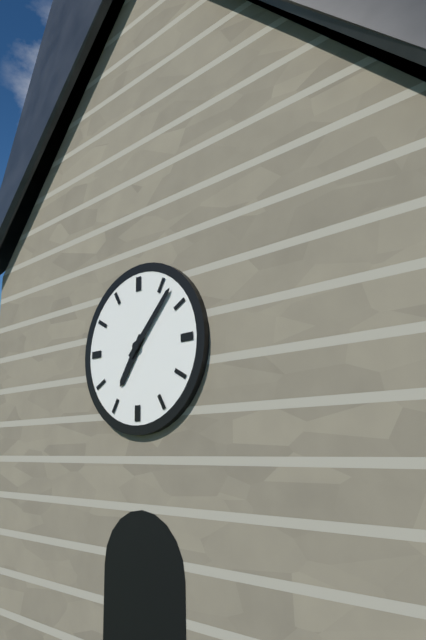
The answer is 7:07
